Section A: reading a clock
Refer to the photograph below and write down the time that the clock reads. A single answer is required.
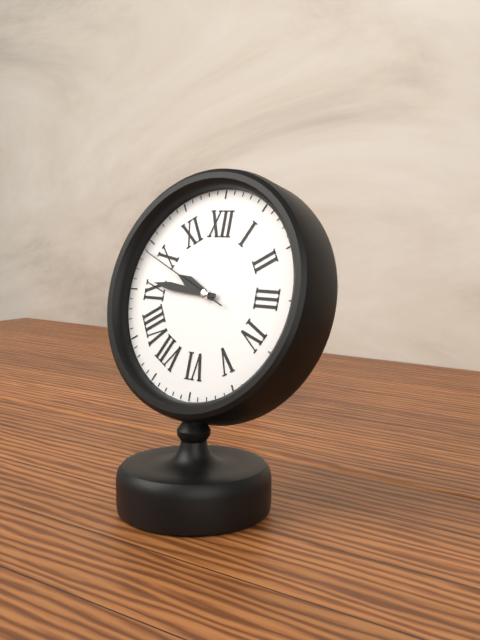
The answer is 9:46:49
